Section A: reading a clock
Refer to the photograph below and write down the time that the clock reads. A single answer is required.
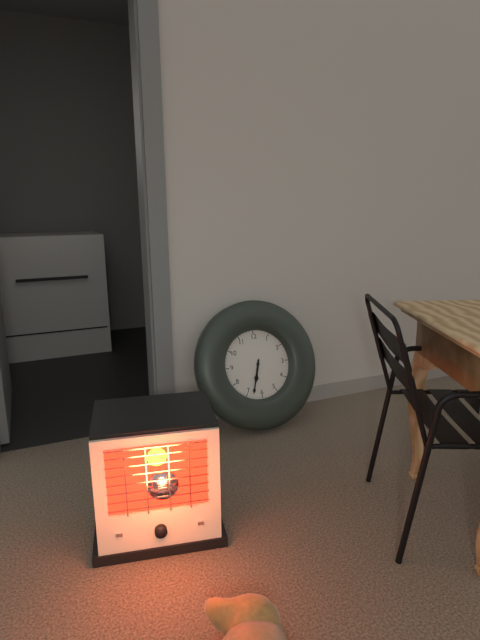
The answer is 6:33
